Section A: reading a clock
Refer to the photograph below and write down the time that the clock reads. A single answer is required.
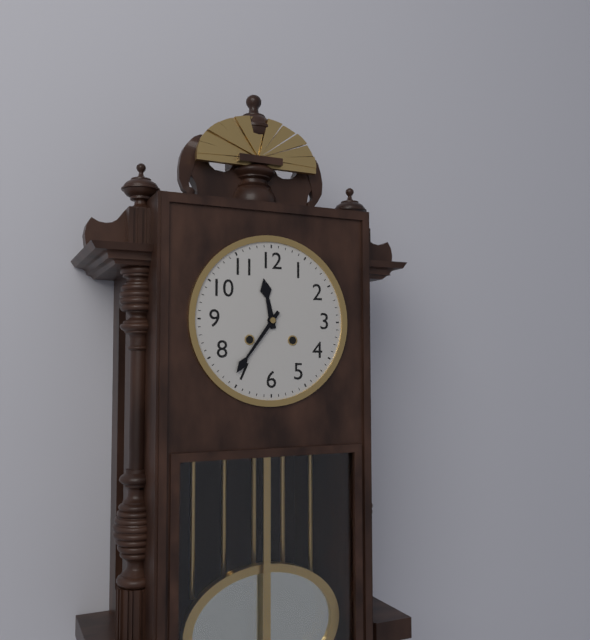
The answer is 11:36
